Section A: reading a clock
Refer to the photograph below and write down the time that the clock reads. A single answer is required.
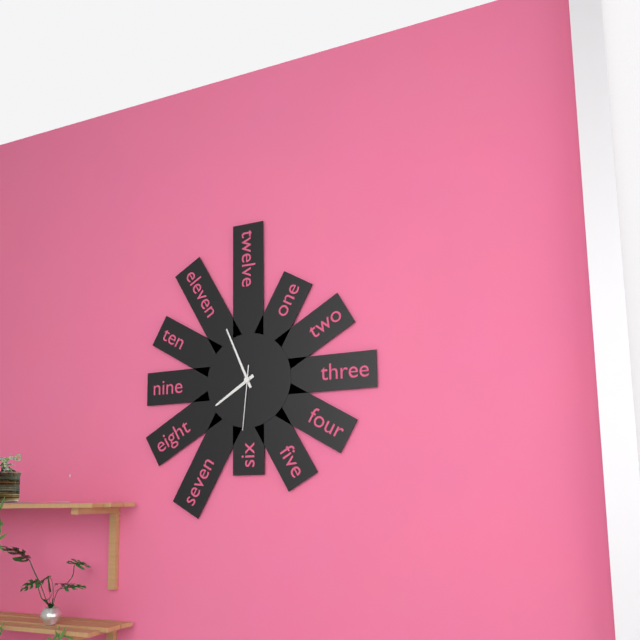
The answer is 7:56:31
